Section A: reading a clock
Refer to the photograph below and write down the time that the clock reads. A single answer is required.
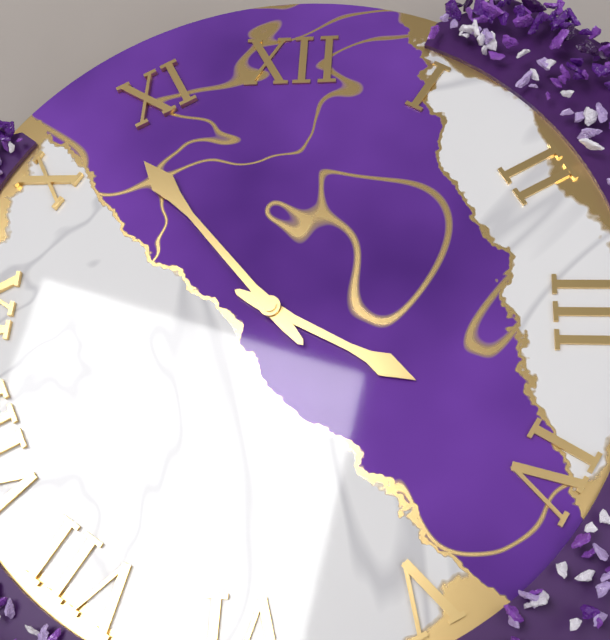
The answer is 3:53
